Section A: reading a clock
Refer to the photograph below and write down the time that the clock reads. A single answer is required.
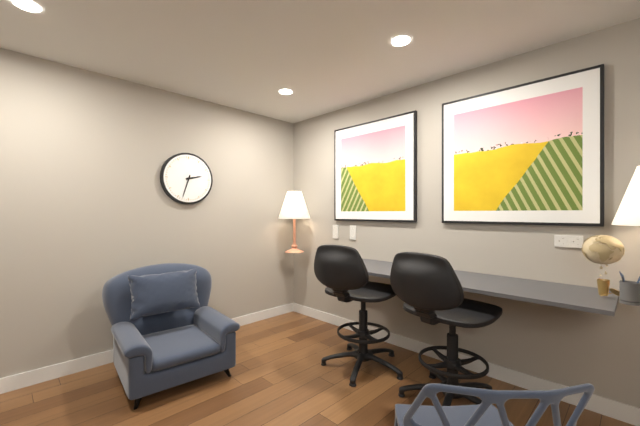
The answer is 2:33
